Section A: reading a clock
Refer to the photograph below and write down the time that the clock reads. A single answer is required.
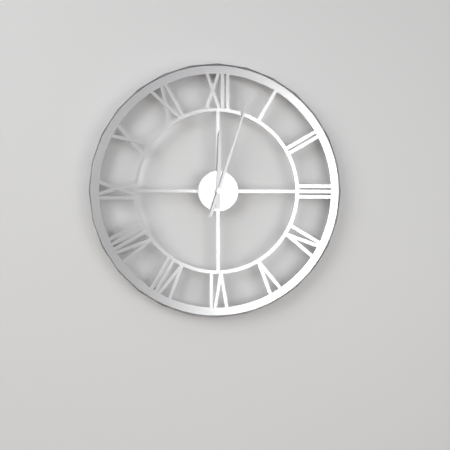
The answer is 12:03
